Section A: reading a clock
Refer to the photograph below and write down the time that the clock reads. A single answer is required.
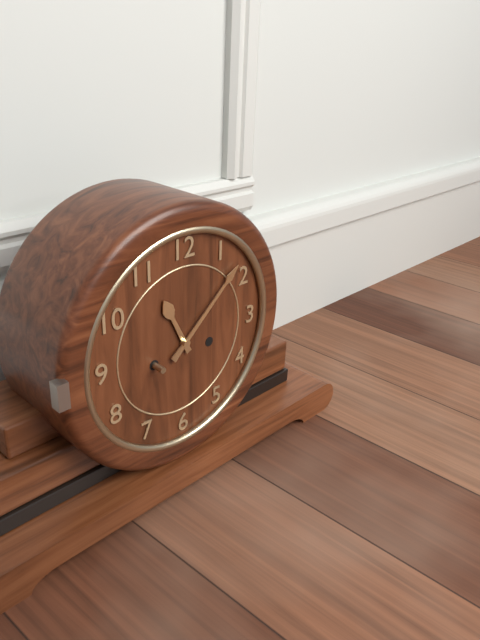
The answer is 11:08
